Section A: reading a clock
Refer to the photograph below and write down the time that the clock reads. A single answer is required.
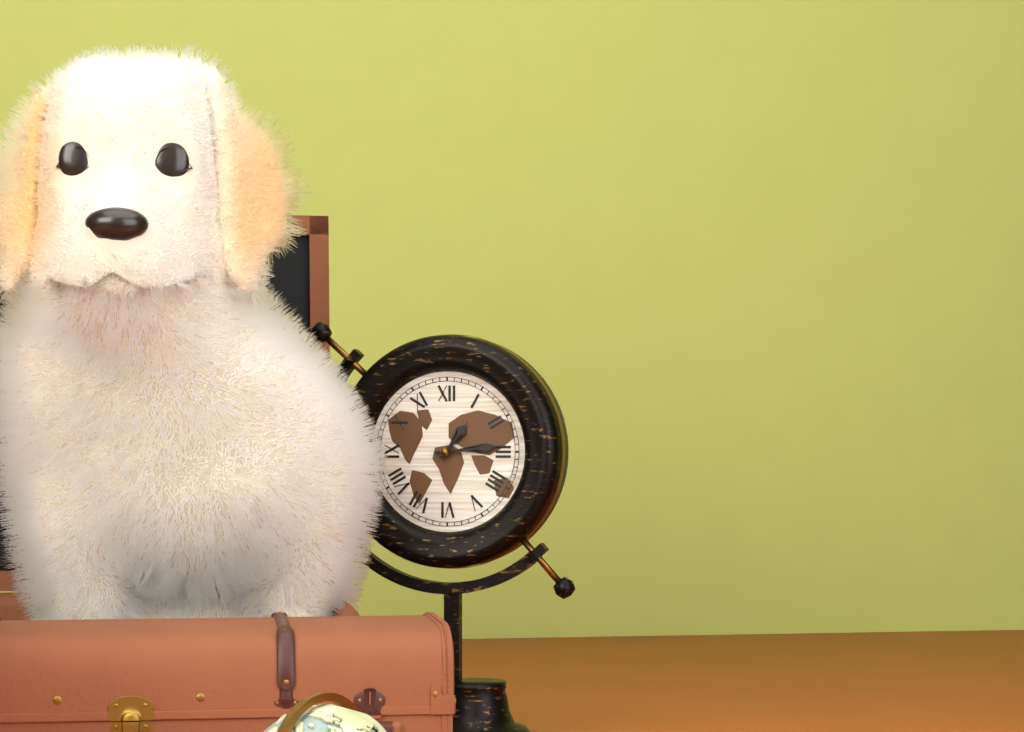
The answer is 1:14
